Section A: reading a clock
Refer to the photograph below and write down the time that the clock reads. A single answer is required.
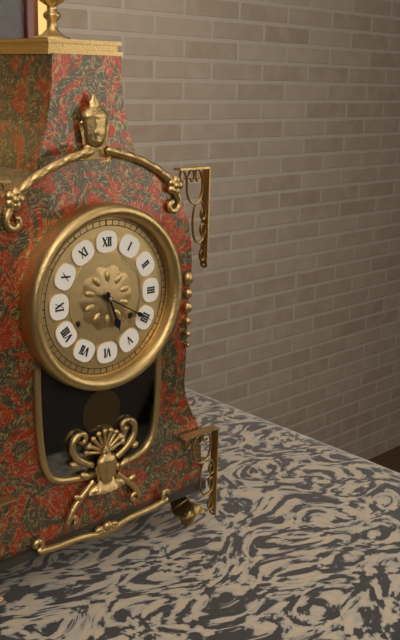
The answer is 5:20
